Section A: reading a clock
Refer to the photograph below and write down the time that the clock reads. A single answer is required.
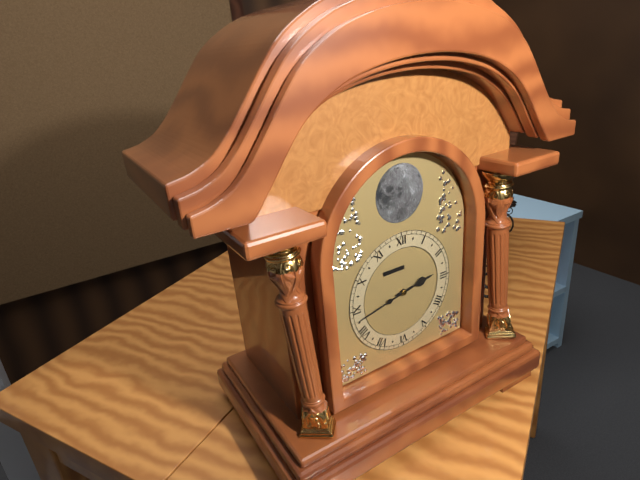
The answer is 2:43
